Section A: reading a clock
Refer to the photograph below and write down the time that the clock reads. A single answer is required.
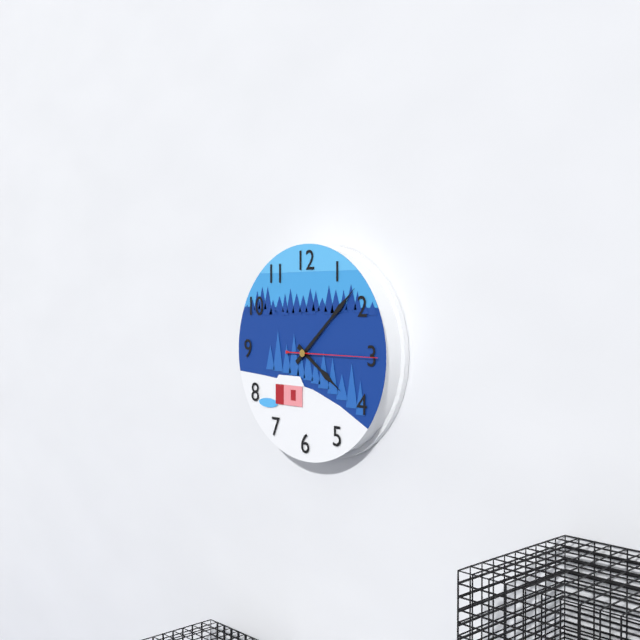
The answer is 4:08:15
